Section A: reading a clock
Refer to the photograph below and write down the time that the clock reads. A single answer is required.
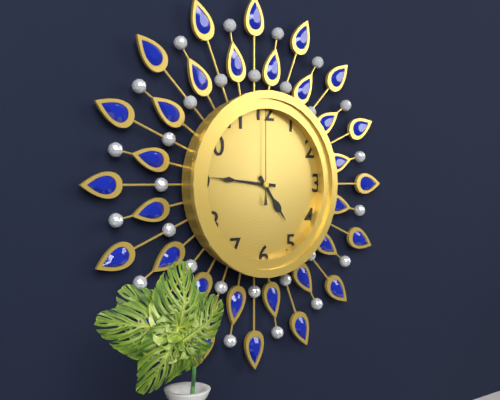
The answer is 4:46:00
